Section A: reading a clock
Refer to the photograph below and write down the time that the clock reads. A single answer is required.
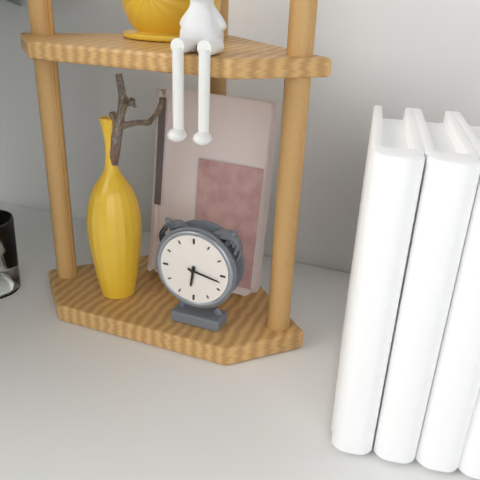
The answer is 6:17
